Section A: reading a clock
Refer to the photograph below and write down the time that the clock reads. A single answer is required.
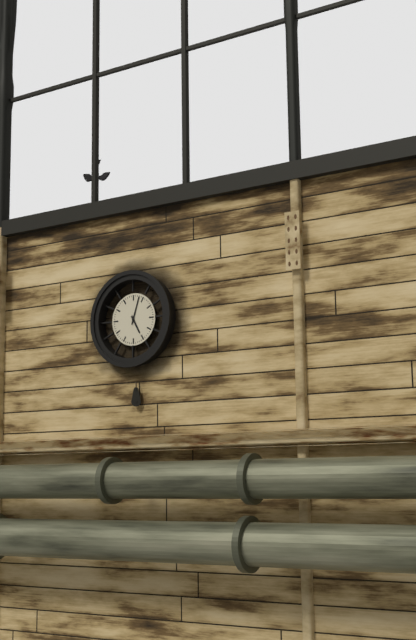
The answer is 5:03
